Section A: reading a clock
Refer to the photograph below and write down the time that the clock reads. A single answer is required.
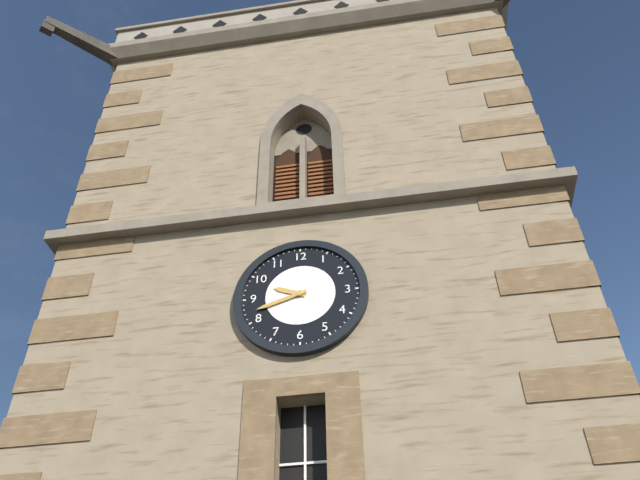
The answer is 9:42
